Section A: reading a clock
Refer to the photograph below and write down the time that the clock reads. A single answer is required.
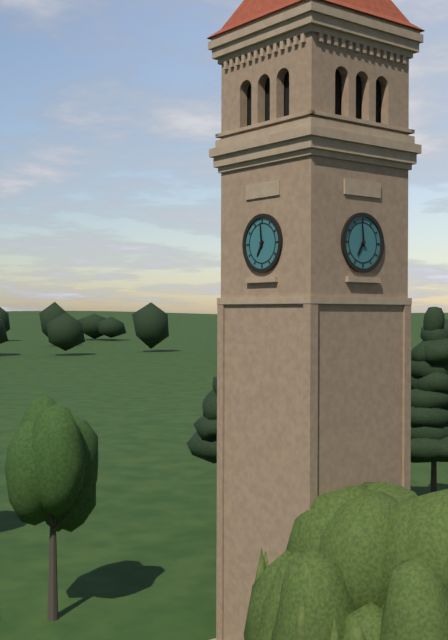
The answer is 6:59
